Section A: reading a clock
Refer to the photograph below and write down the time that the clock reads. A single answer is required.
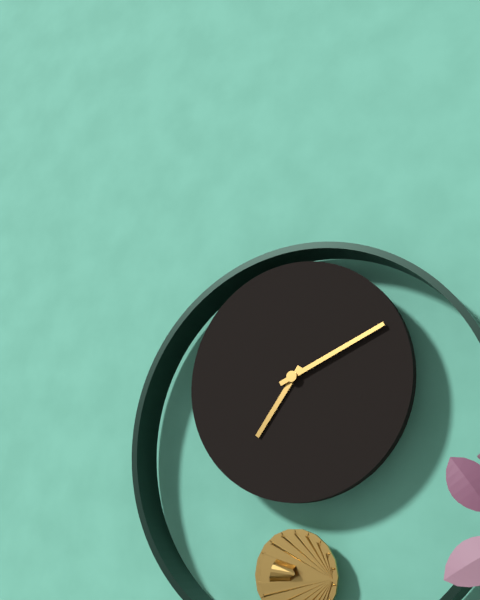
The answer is 7:11
